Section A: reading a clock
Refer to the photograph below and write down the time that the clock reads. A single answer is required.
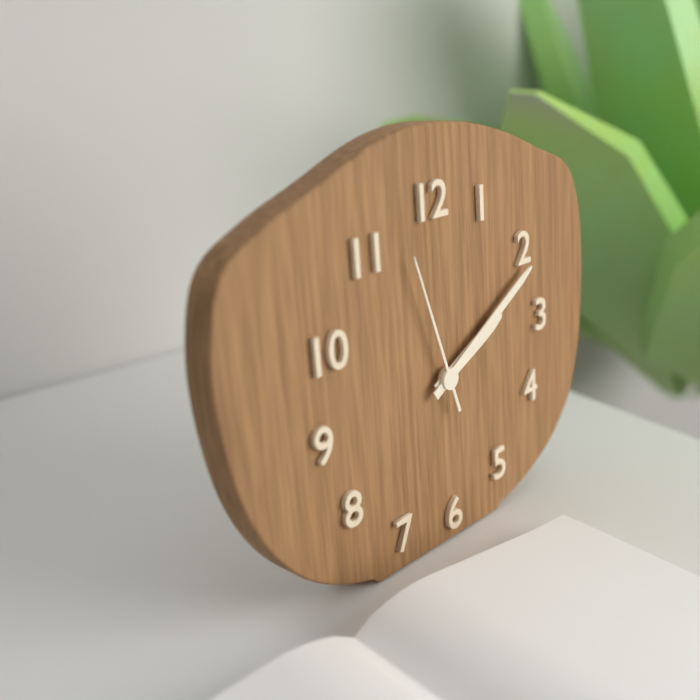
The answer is 2:10:57
